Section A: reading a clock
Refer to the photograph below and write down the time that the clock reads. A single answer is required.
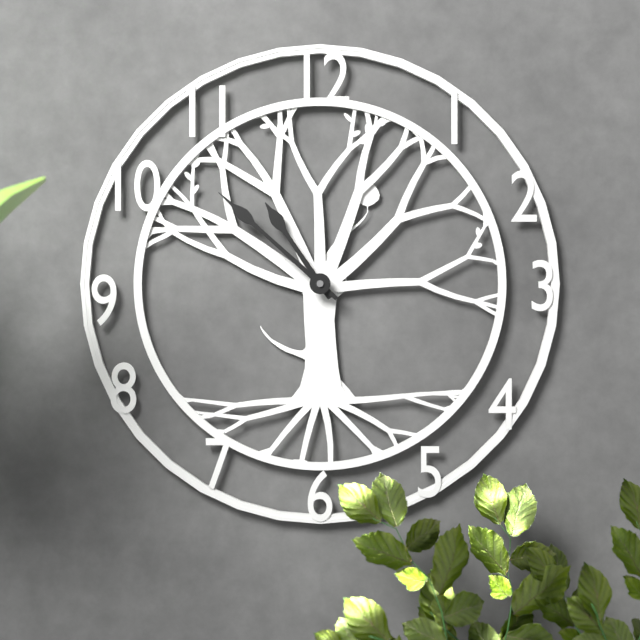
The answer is 10:52
